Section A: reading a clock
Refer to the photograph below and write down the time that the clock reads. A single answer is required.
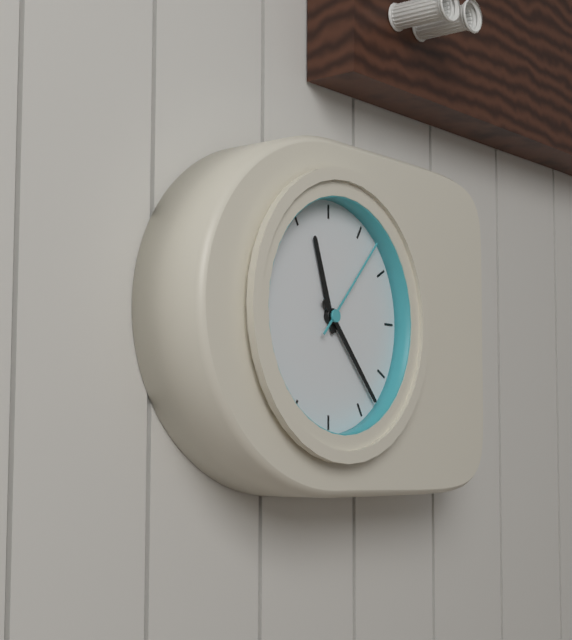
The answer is 11:23:07
